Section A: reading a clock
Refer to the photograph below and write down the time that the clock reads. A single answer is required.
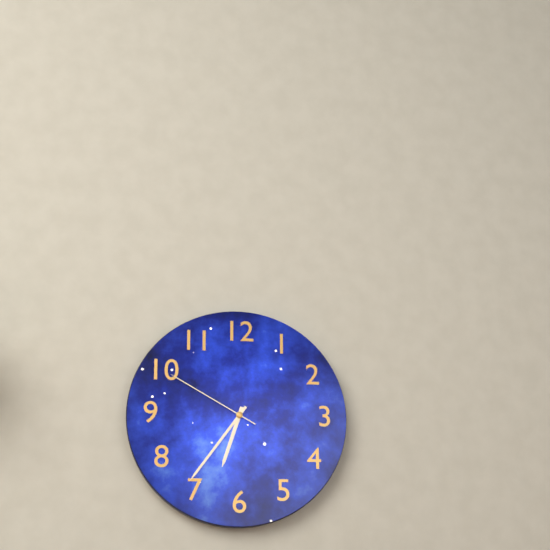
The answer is 6:36:50
